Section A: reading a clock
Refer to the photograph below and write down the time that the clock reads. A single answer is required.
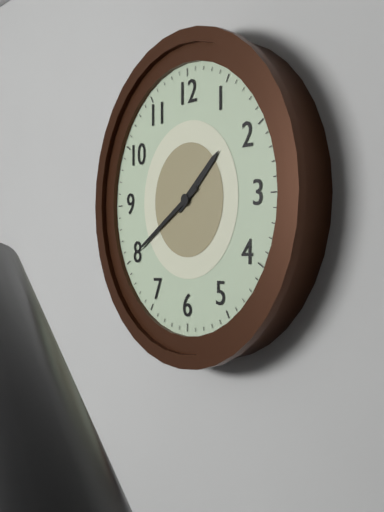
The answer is 1:40
